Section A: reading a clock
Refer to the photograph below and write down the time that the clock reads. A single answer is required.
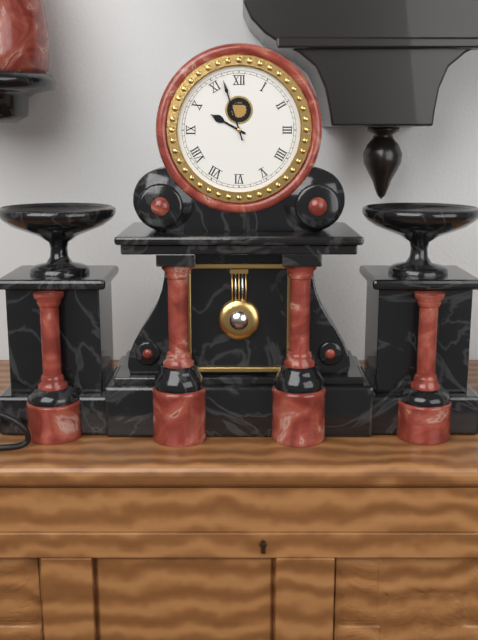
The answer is 9:57
